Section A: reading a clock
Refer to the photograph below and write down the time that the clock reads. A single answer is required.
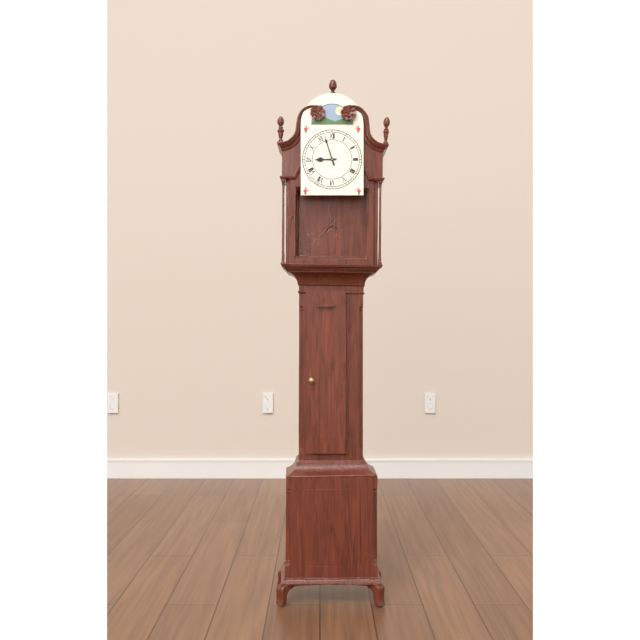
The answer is 8:57
